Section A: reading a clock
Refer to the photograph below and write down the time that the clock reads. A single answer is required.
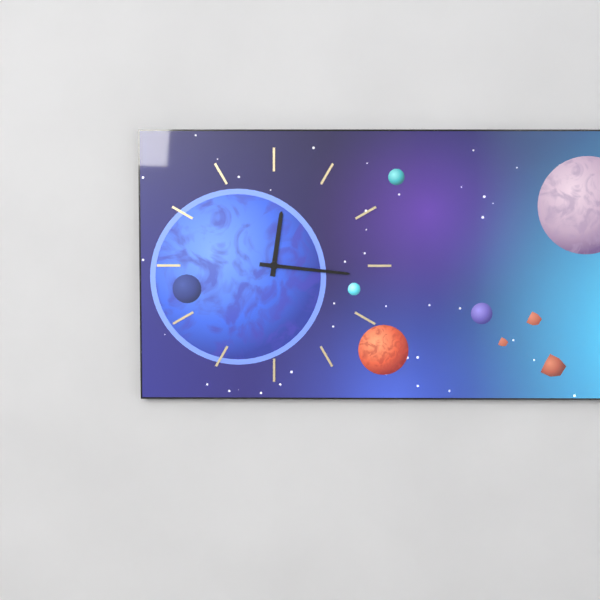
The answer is 12:16
